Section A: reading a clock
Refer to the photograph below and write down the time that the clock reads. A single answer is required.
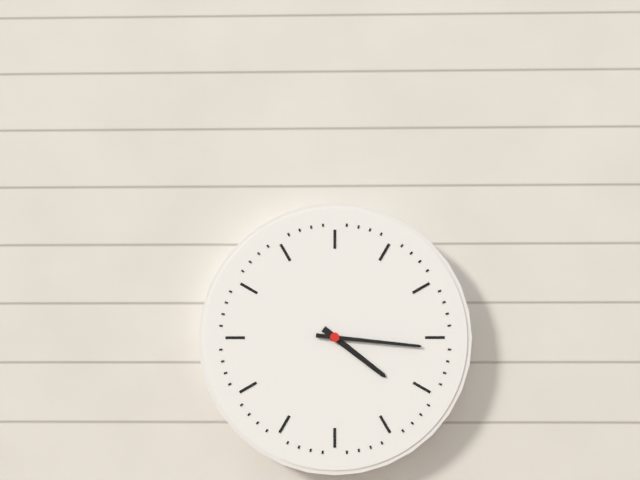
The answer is 4:16
